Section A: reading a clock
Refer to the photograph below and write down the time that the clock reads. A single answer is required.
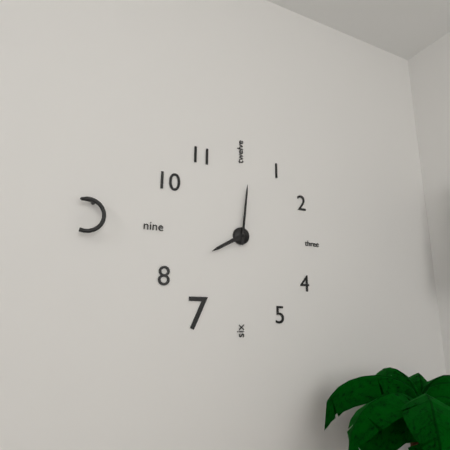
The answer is 8:01
